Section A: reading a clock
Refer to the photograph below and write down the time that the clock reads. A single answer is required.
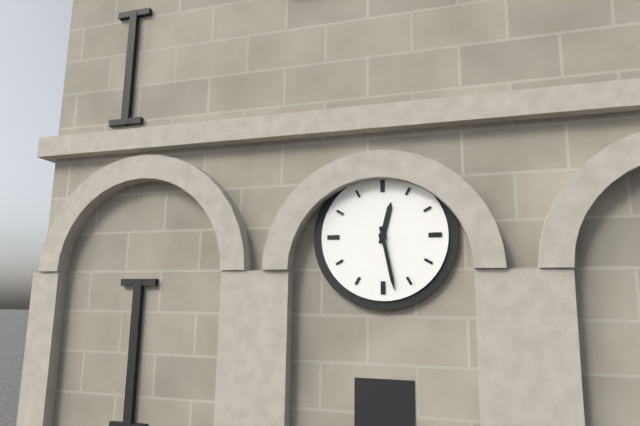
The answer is 12:28
